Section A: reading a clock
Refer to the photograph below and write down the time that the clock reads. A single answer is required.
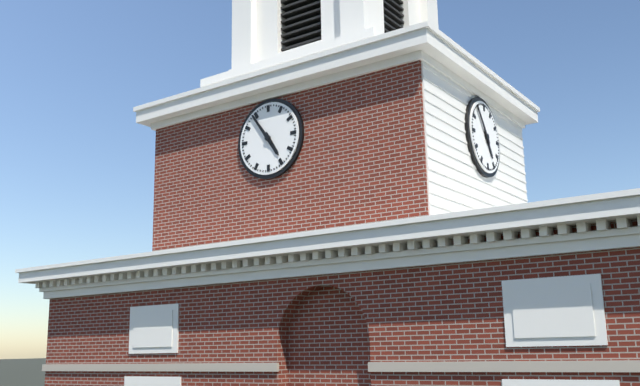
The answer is 4:54
